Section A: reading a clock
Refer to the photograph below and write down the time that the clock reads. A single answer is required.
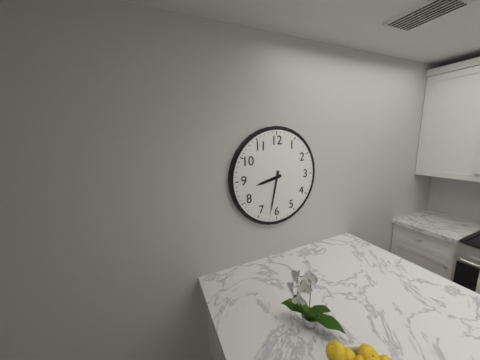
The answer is 8:32
